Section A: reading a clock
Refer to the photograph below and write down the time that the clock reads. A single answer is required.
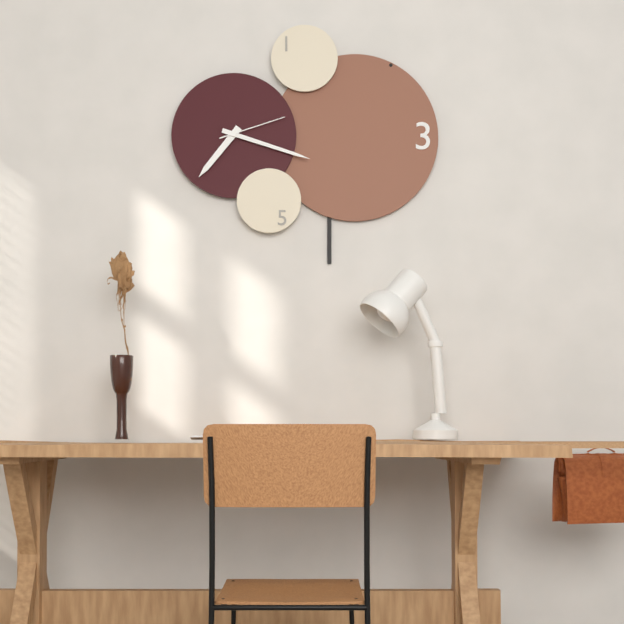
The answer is 7:18:12
